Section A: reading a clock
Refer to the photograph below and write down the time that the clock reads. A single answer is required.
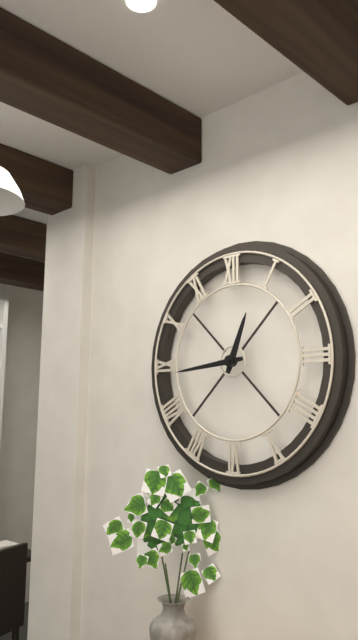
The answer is 12:44
